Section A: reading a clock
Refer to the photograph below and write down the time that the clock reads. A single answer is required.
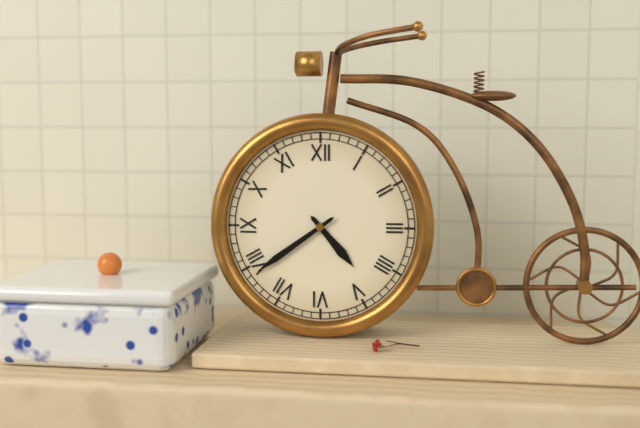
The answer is 4:39
